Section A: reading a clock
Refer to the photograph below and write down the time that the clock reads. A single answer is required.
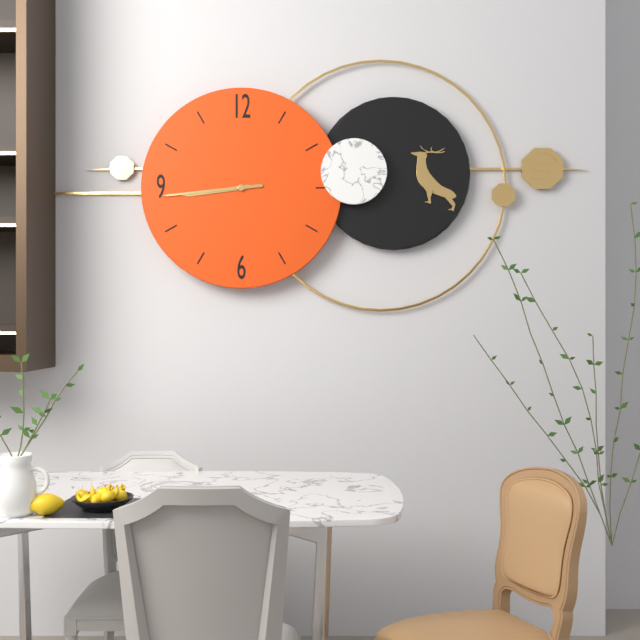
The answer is 8:44
